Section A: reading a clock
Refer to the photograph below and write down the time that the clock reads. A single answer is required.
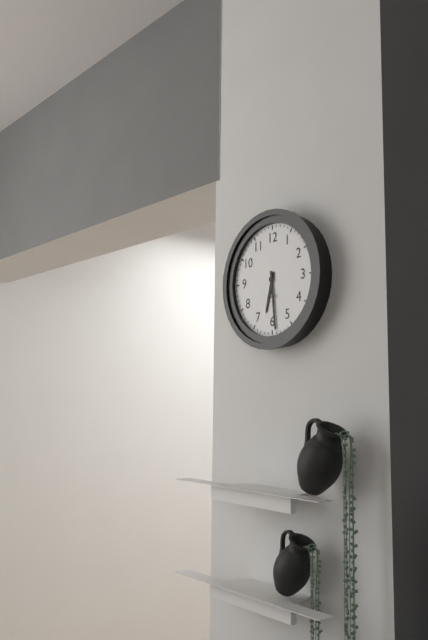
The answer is 6:29
